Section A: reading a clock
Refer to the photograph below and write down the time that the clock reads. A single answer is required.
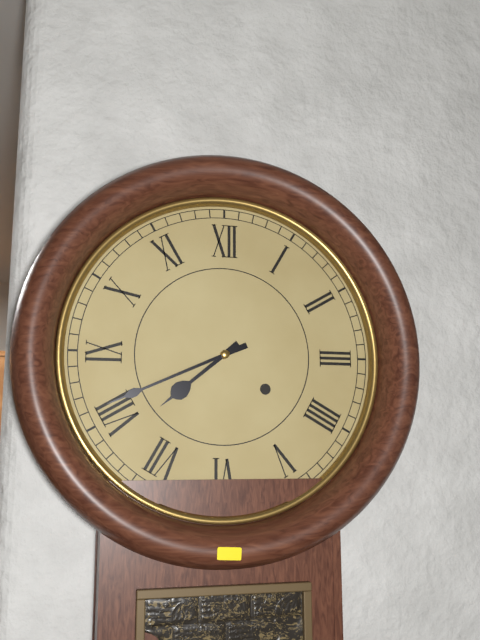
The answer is 7:41
